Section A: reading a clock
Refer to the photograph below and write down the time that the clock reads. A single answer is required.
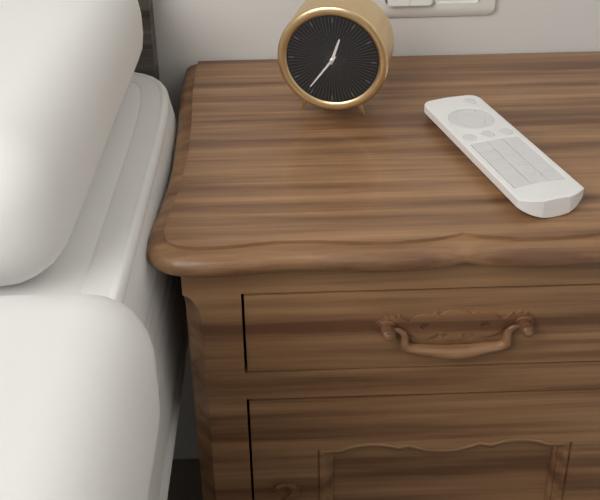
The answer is 12:36
